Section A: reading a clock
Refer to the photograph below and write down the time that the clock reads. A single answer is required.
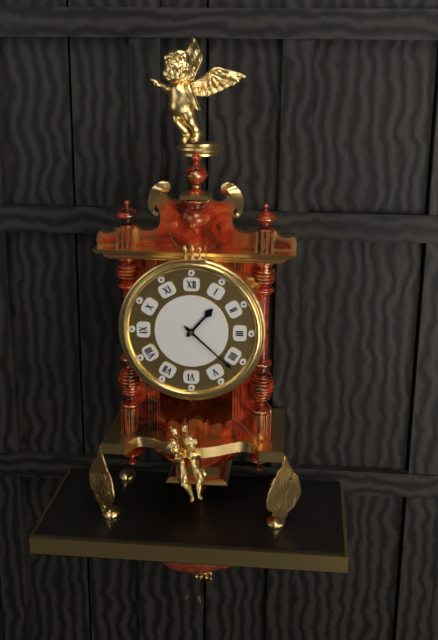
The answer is 1:22
